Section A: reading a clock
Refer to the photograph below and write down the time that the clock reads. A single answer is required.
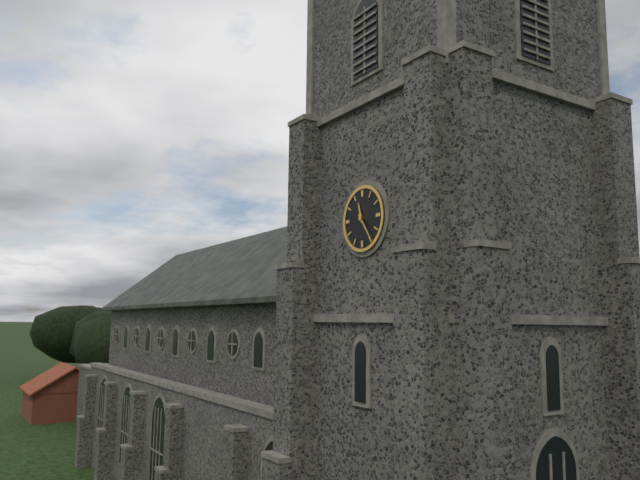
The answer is 11:24
